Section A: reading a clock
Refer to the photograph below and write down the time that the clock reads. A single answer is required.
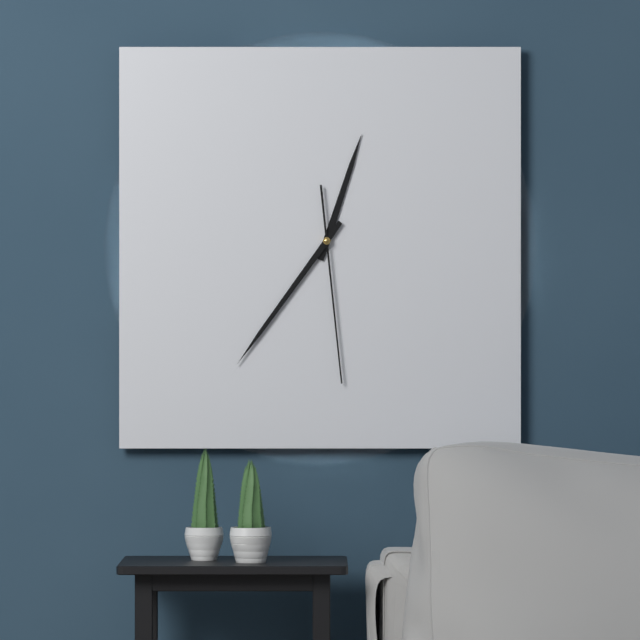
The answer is 12:36:29
